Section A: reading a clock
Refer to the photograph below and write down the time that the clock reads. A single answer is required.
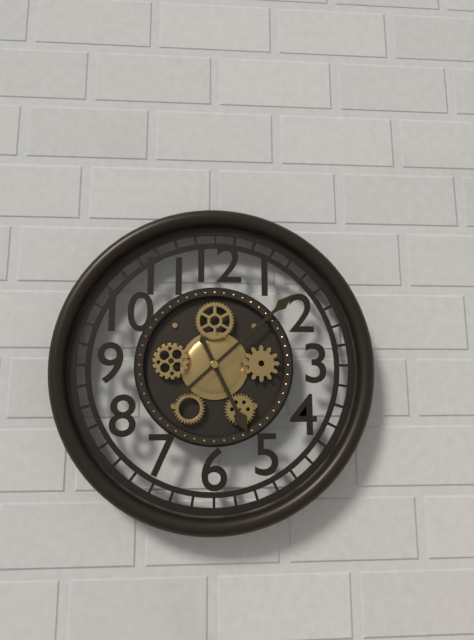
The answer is 5:08
